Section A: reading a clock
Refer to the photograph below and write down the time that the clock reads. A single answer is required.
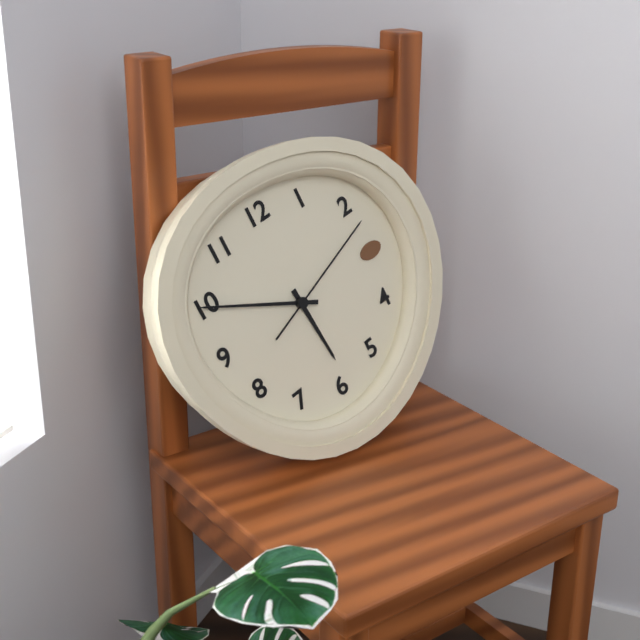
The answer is 5:50:12
